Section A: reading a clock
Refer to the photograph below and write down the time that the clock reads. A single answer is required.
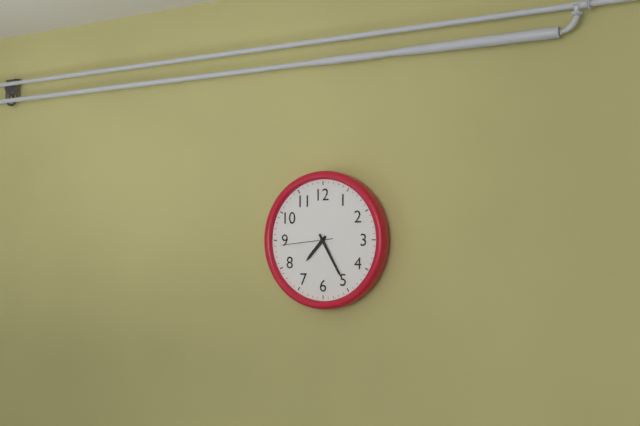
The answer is 7:25:44
